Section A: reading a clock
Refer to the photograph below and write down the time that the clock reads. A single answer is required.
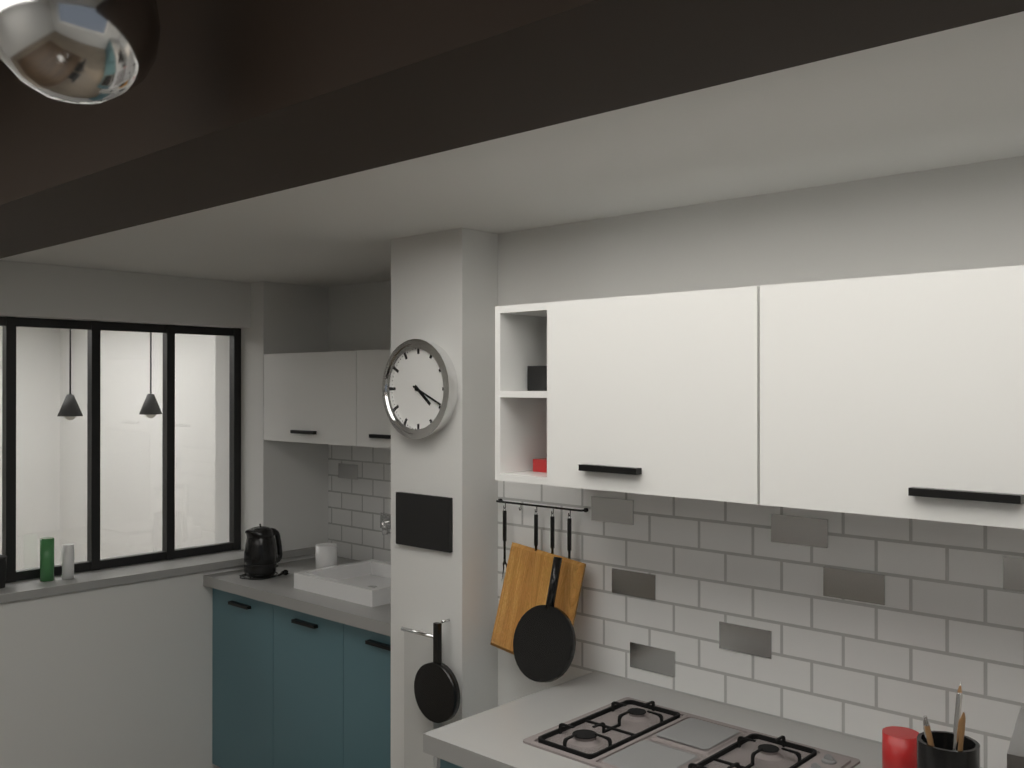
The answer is 4:19
